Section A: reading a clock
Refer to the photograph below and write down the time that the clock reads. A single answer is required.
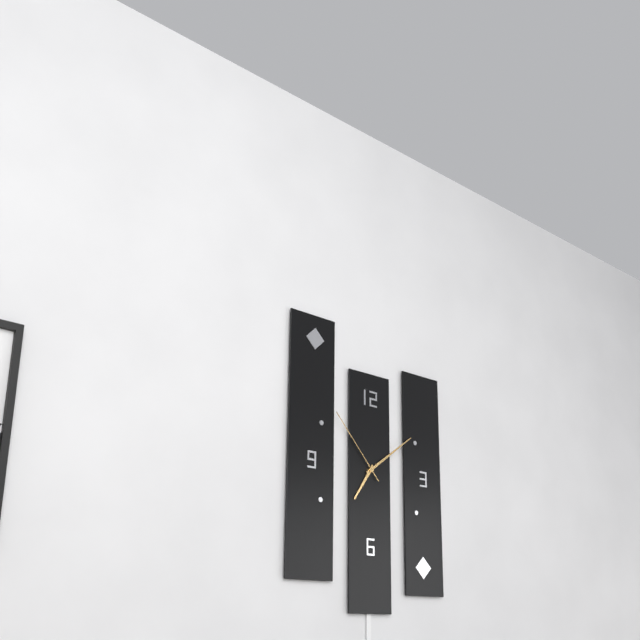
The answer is 7:09:53
